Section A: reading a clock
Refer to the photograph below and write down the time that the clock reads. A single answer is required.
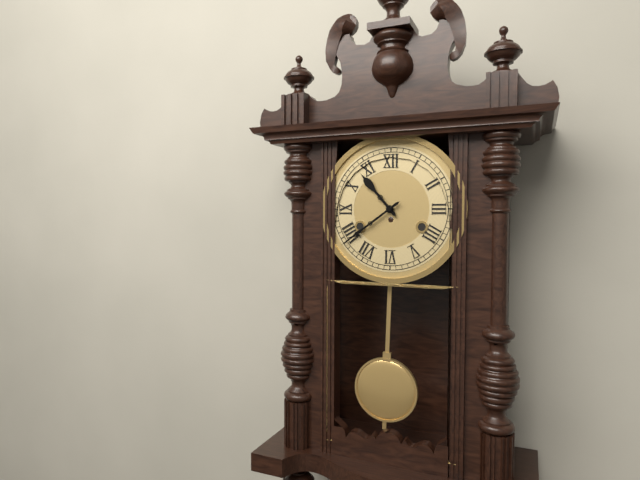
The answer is 10:39
